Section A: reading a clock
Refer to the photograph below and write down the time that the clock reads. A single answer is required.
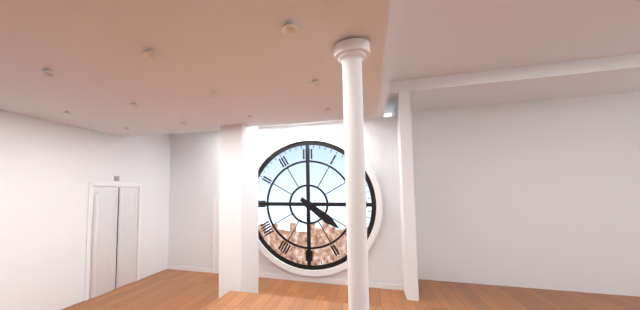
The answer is 4:15
